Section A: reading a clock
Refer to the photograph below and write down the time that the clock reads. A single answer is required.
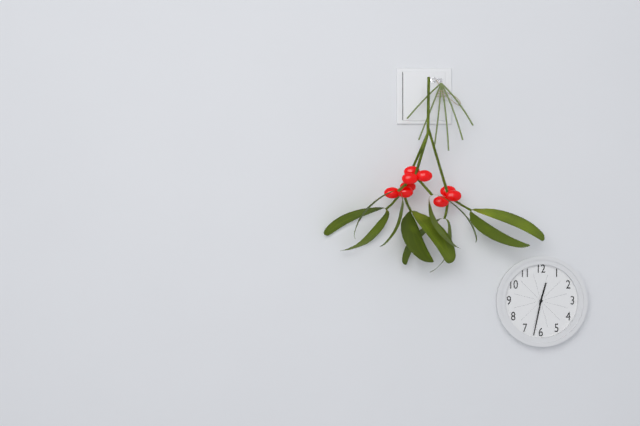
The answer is 12:32
